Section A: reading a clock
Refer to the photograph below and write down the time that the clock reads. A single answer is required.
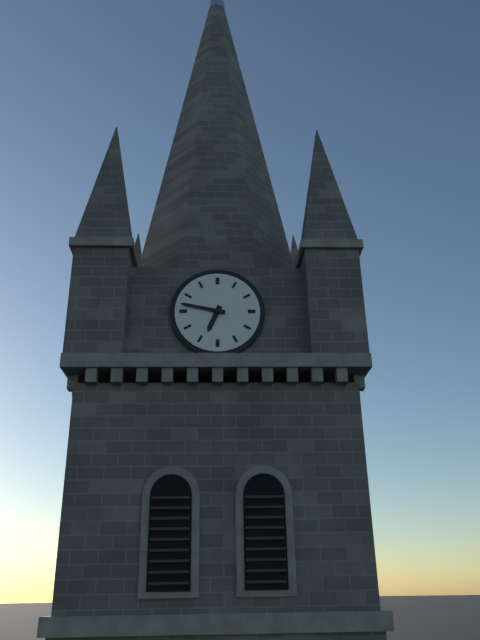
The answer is 6:47
